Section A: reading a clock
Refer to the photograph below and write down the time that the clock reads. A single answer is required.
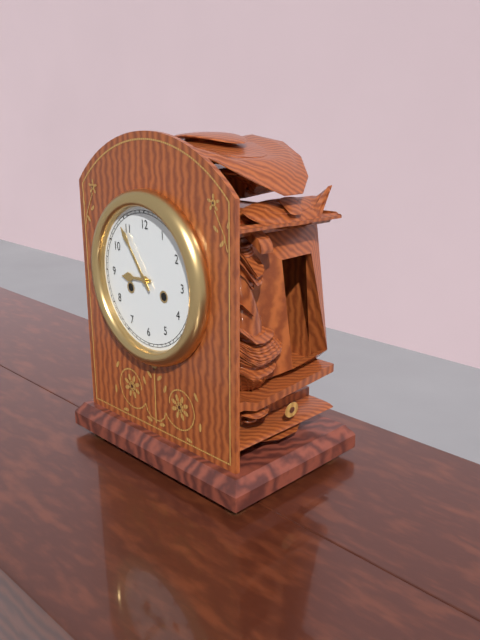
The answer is 8:54
